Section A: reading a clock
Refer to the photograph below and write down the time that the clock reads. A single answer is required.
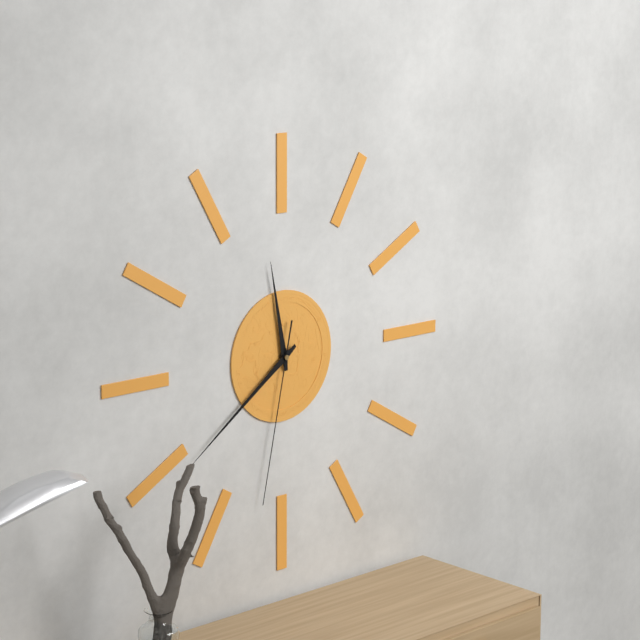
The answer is 11:39:32
